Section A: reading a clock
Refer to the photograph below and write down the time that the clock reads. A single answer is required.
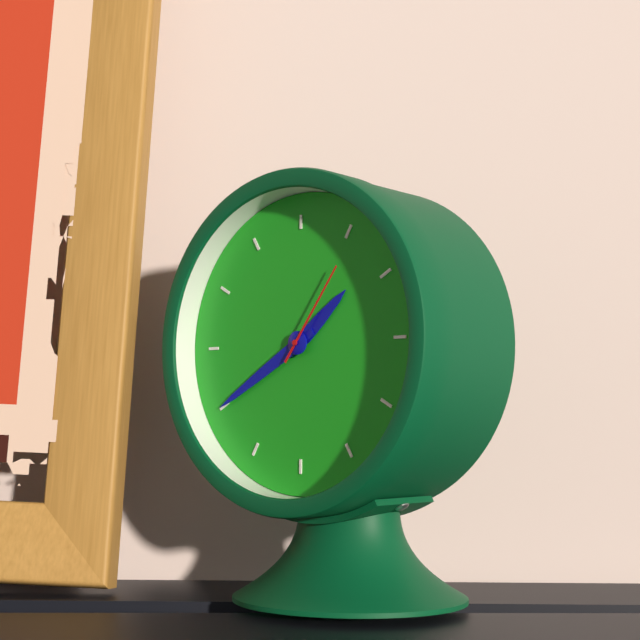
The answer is 1:40:06
